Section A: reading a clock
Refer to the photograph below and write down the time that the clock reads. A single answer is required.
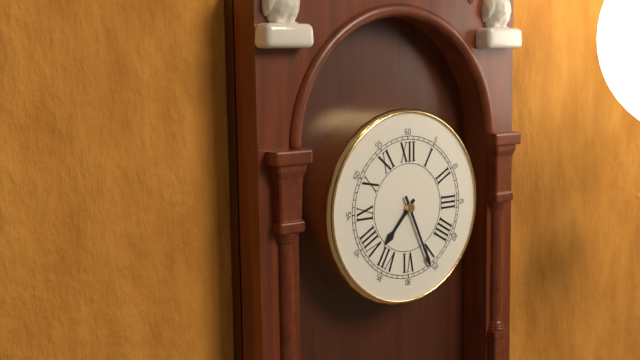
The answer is 7:26
